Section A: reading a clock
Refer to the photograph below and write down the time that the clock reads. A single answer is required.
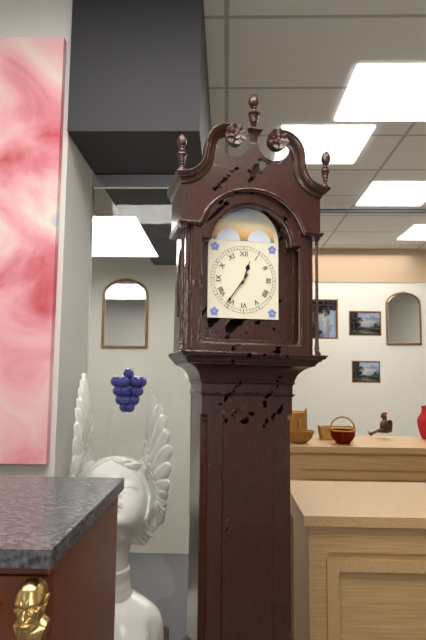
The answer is 12:36
